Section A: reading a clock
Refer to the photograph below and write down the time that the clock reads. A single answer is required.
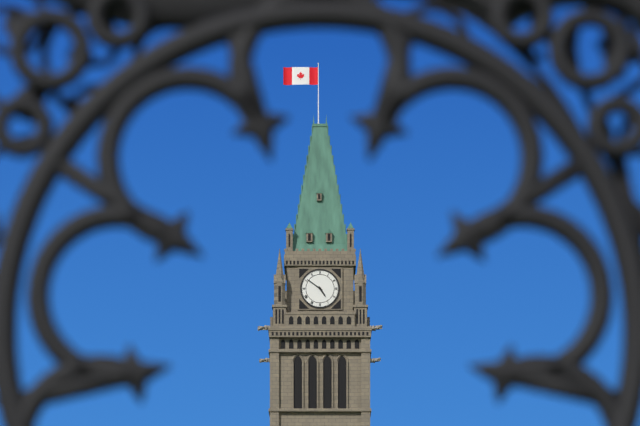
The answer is 4:51
